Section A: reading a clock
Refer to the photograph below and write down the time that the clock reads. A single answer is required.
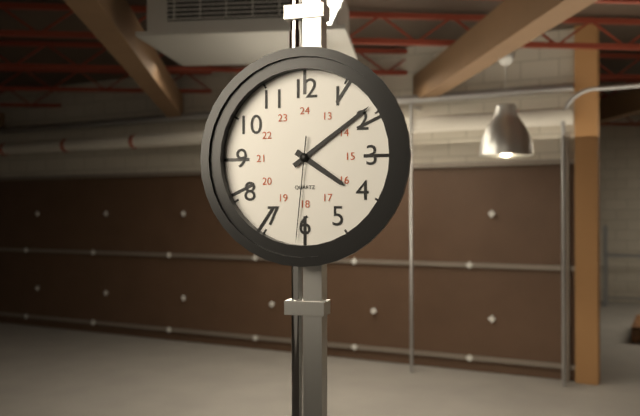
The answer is 4:09:31
